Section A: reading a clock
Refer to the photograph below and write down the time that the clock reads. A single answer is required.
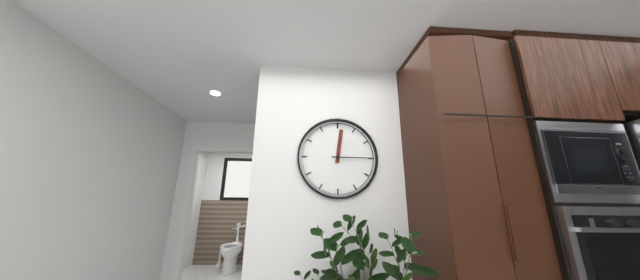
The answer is 12:15
